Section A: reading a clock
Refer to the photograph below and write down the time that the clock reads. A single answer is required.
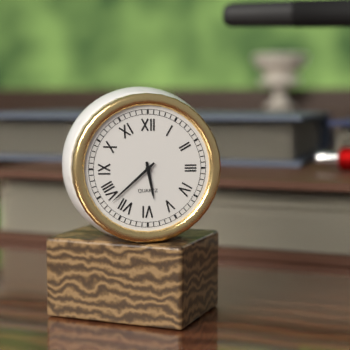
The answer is 5:38
